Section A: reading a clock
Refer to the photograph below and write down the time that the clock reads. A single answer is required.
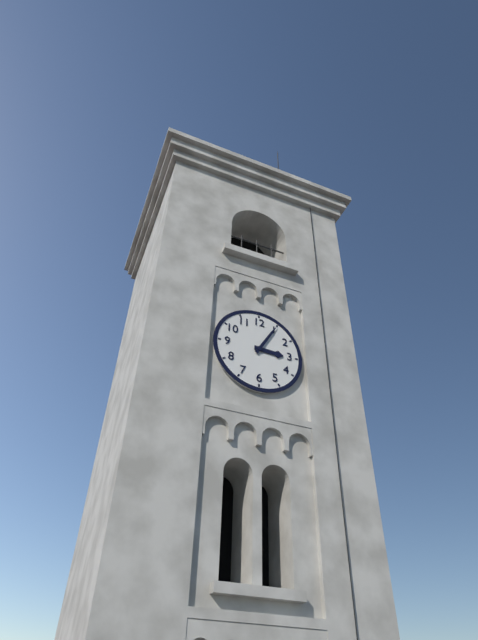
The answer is 3:05
